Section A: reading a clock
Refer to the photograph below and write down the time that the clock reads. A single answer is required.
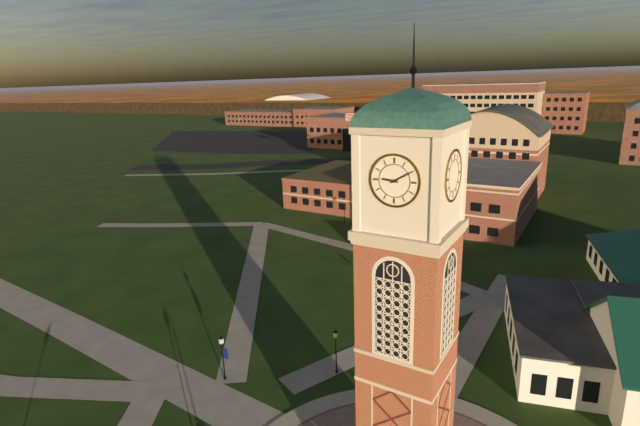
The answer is 9:10
